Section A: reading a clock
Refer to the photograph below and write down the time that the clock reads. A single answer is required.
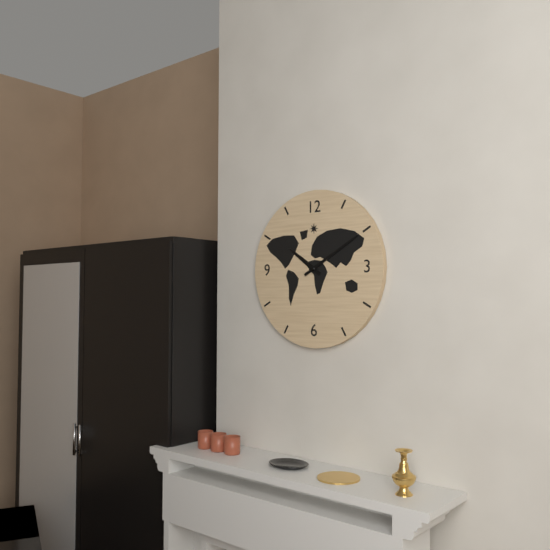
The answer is 10:10
